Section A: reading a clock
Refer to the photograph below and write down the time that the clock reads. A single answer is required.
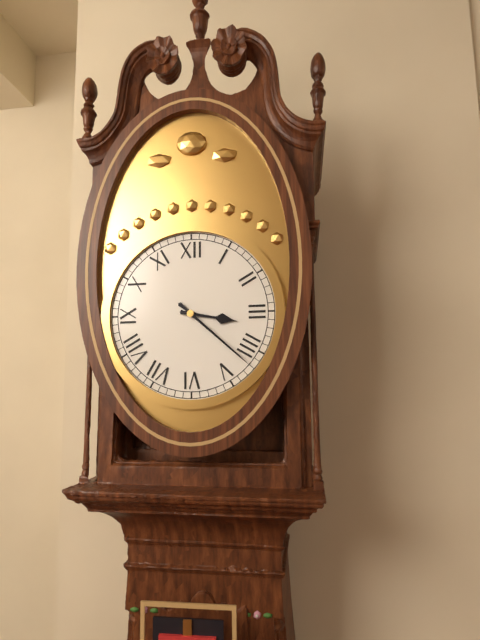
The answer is 3:22
